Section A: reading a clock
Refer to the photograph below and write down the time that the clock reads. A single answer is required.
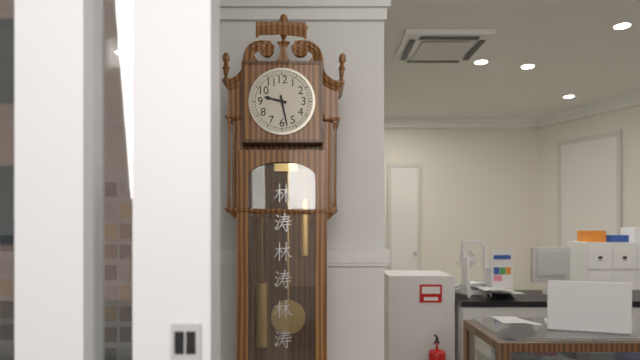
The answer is 9:28
